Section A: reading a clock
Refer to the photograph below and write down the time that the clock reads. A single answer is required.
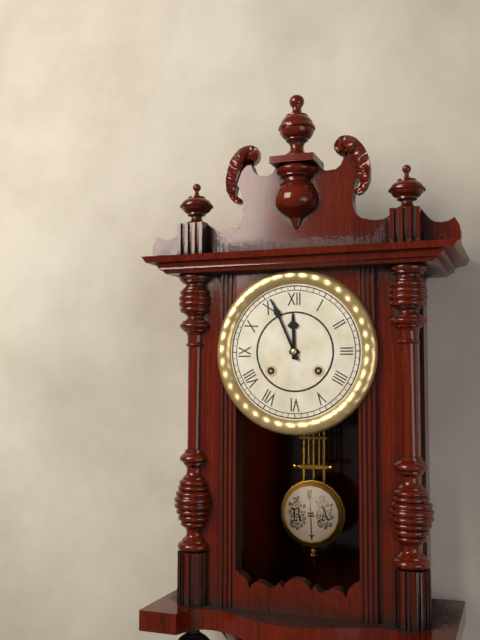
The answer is 11:56
